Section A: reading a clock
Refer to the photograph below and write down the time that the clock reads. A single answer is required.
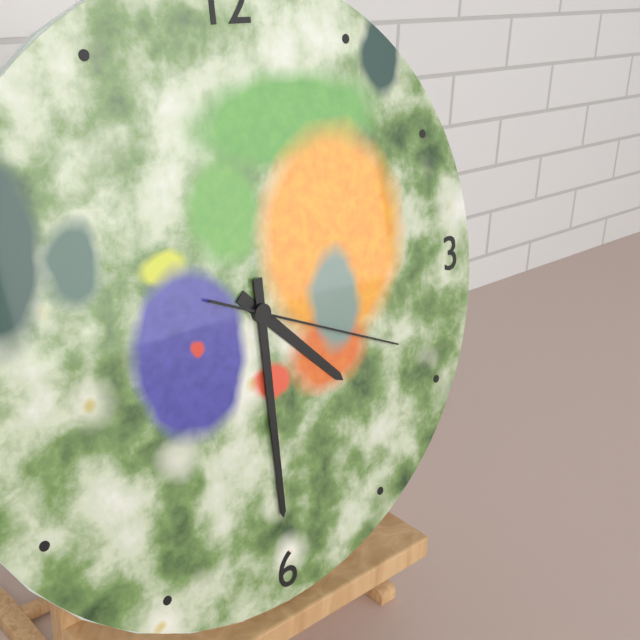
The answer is 4:30:19
